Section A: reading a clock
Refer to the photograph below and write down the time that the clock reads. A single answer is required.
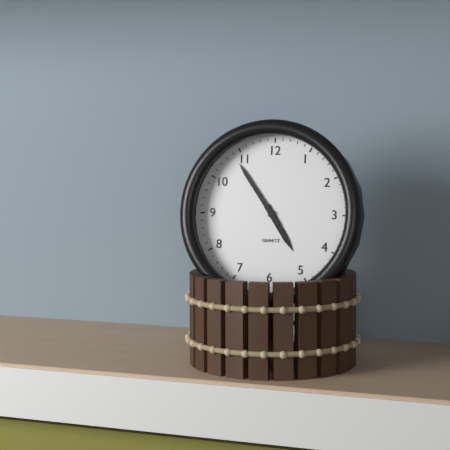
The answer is 4:54
